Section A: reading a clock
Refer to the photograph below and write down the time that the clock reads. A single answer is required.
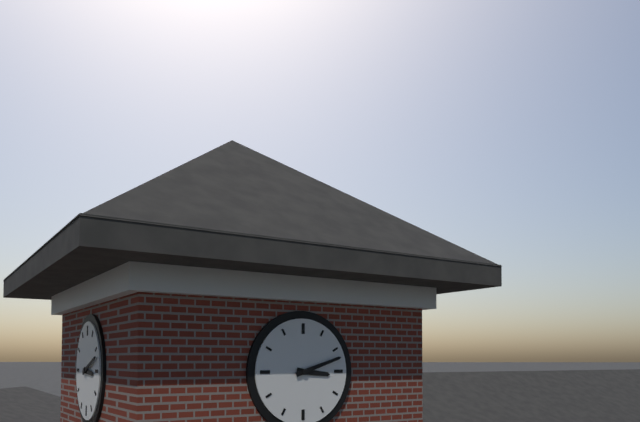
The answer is 3:12
